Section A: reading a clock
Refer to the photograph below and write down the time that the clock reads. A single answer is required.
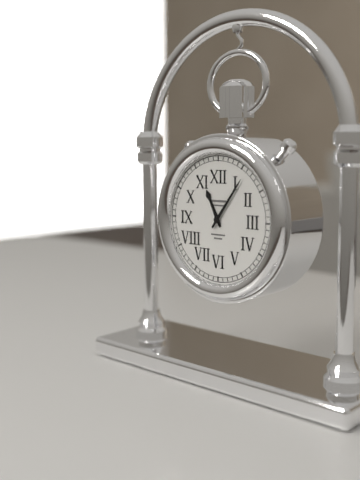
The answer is 11:06
